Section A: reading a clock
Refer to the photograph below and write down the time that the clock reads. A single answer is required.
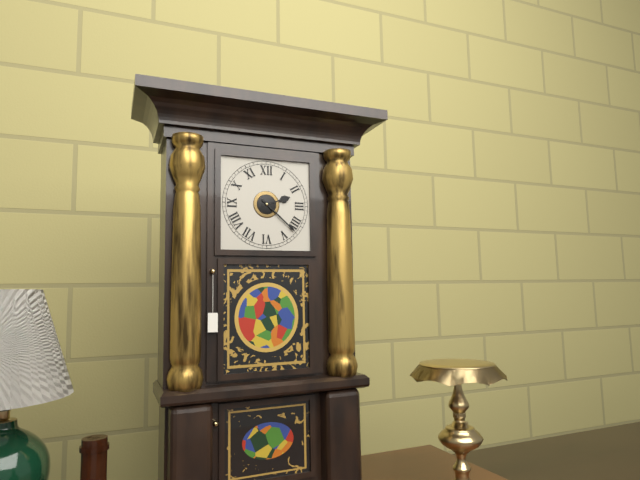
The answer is 2:22
